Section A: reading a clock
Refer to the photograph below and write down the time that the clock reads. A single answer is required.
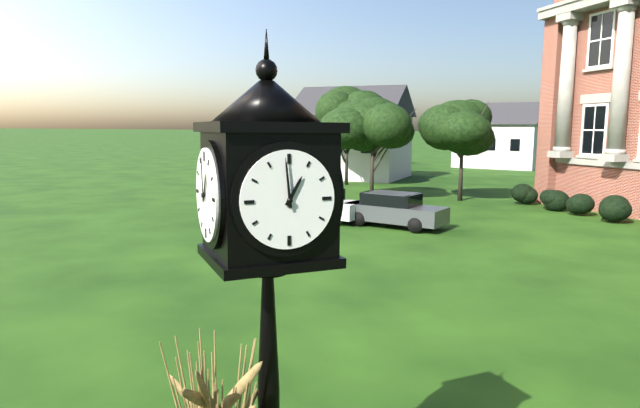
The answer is 12:59
